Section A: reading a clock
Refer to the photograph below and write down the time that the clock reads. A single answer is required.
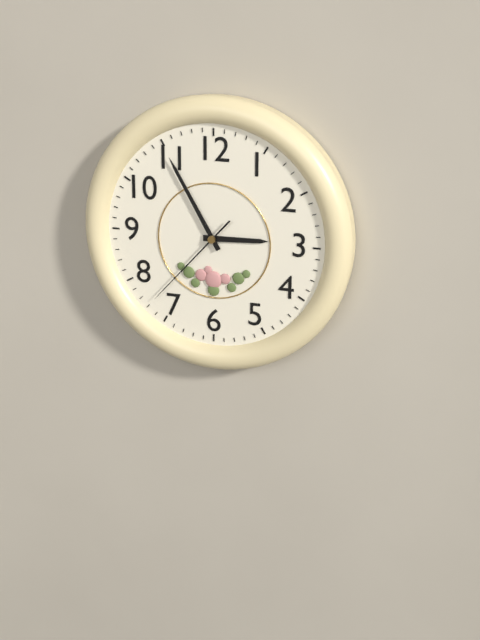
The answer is 2:55:37
